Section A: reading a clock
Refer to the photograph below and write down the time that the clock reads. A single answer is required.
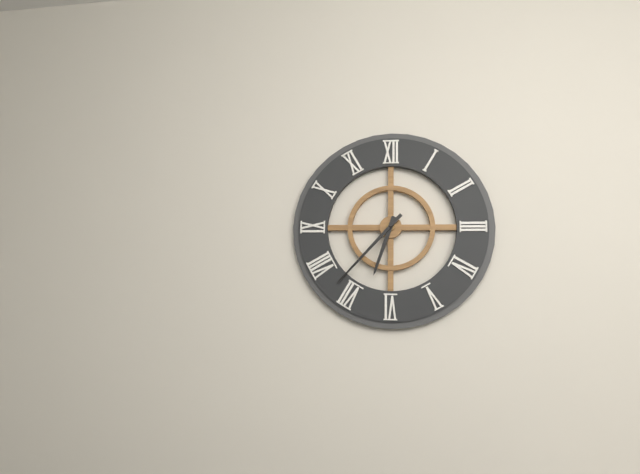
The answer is 6:37
